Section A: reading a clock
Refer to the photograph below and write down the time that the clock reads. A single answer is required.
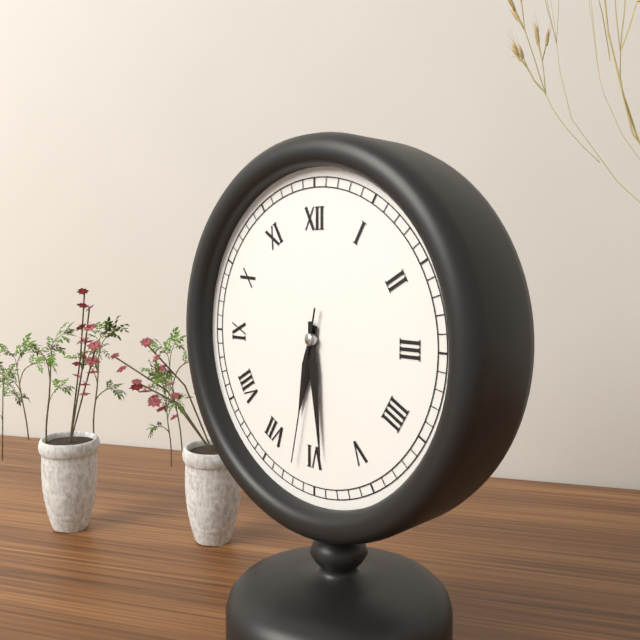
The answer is 6:29:32
